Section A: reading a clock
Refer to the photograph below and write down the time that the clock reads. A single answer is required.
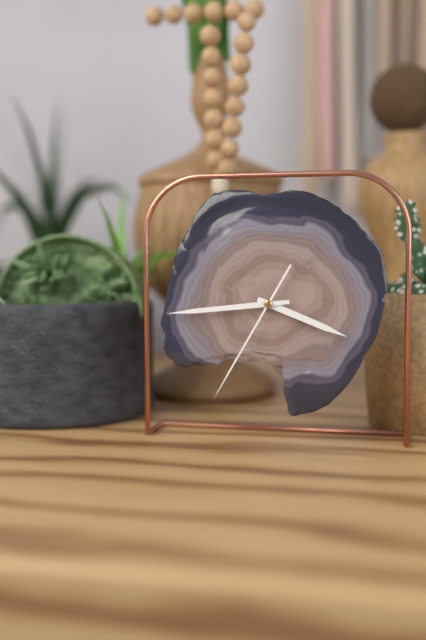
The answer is 3:44:35
